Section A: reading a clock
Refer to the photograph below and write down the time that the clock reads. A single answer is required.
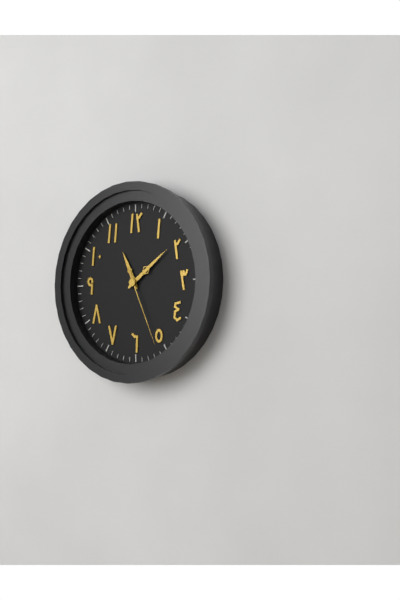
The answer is 11:09:26
